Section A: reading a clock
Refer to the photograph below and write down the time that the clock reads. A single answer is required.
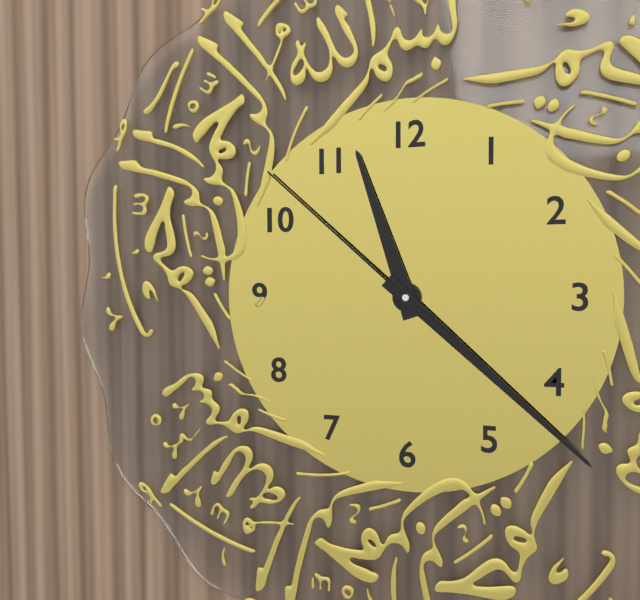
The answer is 11:22:52
